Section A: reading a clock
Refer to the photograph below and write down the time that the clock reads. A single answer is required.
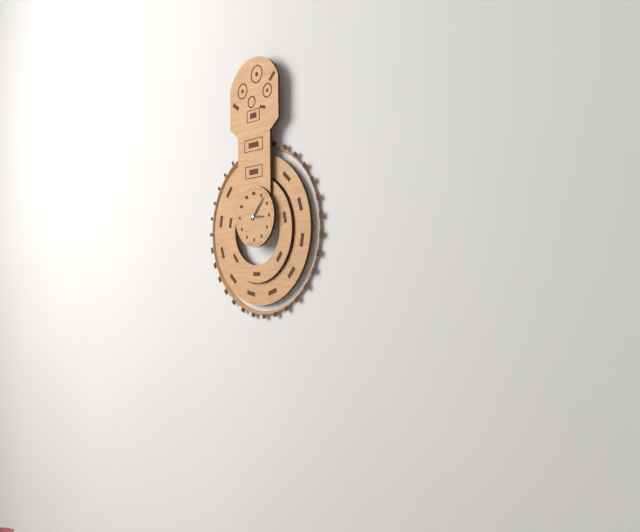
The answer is 3:07
